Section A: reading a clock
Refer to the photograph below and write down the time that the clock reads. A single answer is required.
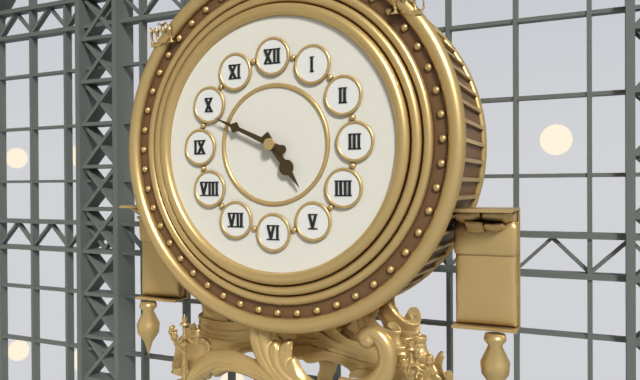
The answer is 4:49
